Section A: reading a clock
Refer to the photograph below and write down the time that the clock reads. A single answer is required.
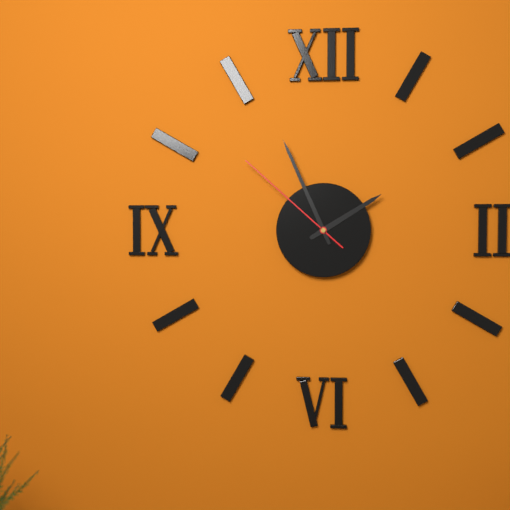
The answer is 1:56:52
